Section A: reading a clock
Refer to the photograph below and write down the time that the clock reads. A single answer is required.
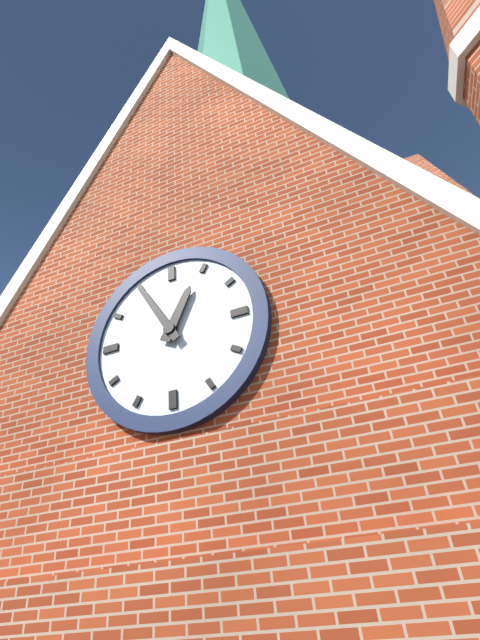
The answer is 12:55
